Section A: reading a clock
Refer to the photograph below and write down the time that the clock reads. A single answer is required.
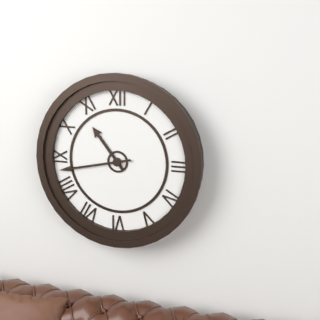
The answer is 10:43
